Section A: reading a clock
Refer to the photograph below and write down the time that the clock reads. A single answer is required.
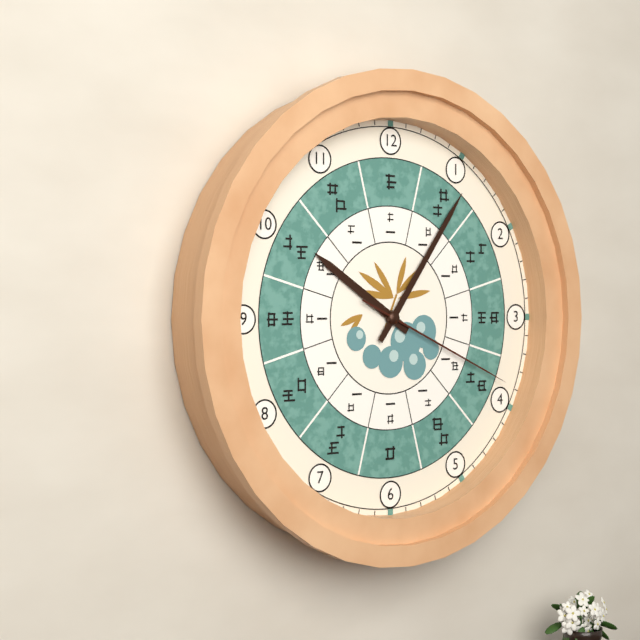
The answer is 10:06:19
